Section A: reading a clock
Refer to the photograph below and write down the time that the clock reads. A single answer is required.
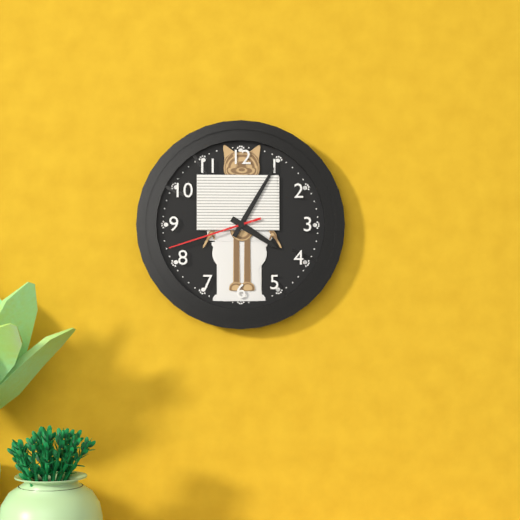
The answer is 4:05:42
